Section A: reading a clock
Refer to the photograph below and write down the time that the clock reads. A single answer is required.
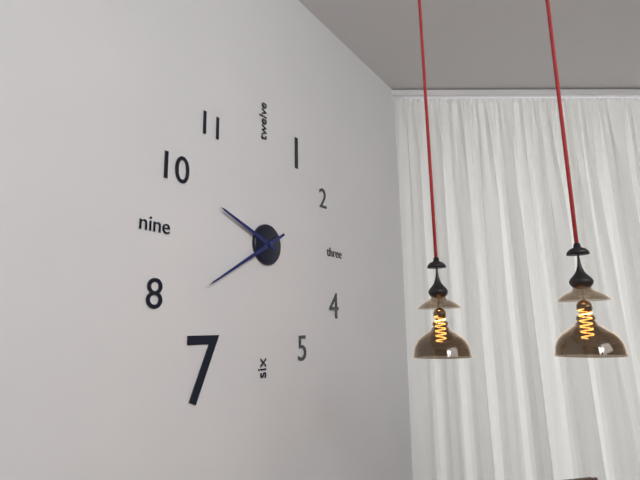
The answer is 9:40
